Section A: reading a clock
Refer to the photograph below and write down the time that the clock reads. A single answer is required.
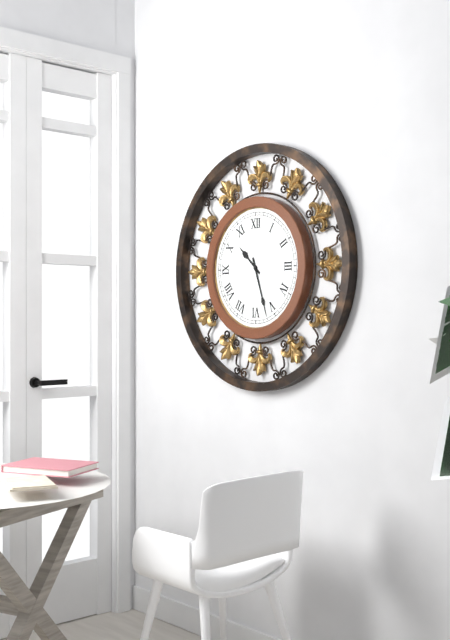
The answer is 10:27
